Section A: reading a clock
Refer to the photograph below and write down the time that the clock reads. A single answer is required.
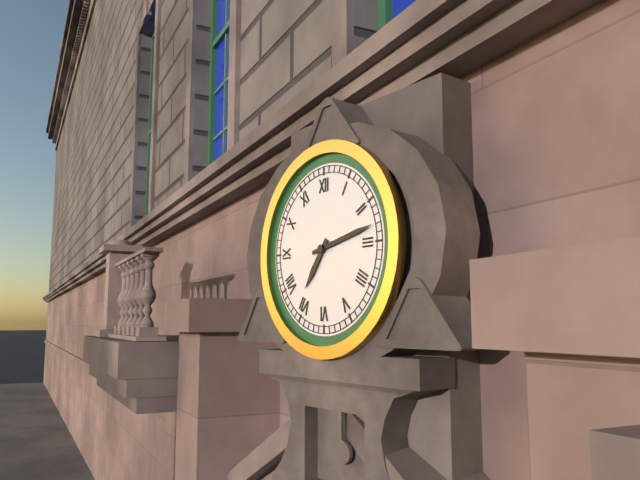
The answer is 7:13
